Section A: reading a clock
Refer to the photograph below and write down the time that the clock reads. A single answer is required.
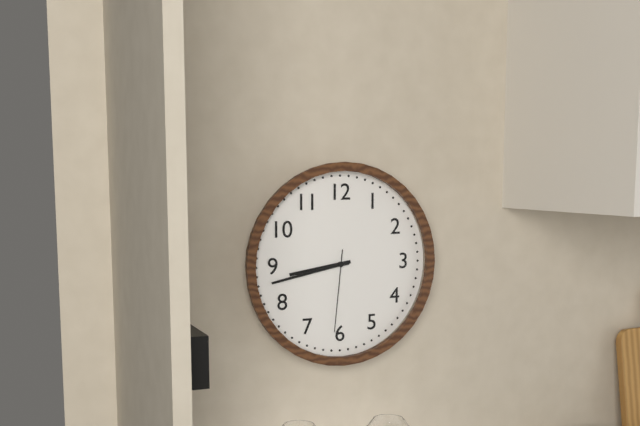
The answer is 8:43:31
